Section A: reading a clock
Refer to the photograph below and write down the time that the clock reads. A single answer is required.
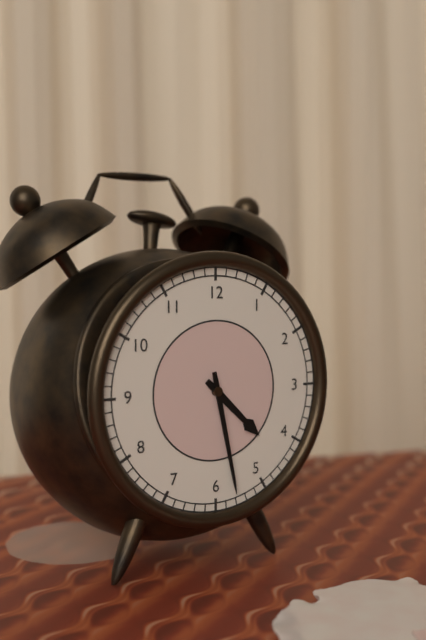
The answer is 4:28
